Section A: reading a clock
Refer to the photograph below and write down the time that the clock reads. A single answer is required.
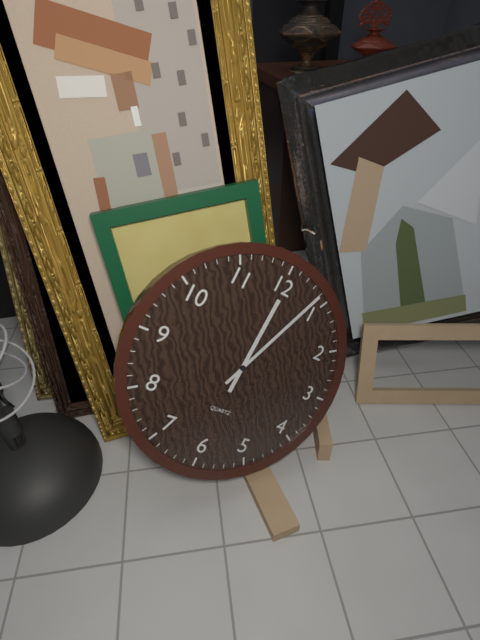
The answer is 12:04
